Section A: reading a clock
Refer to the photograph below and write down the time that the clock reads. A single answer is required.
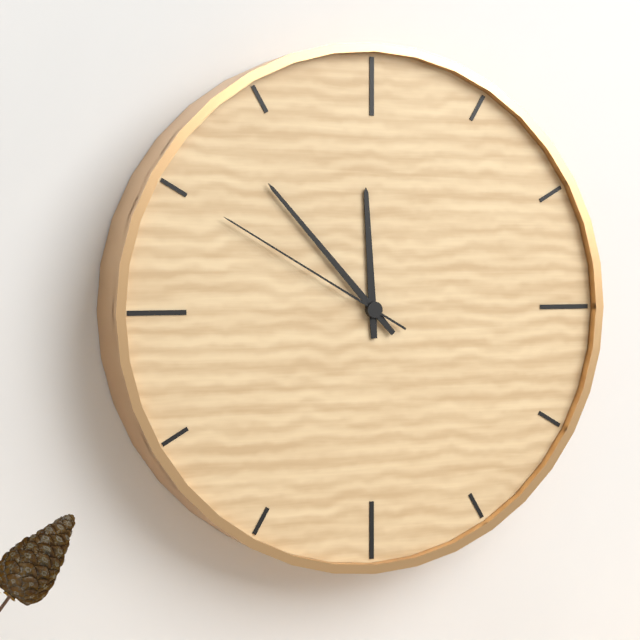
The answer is 11:53:50
